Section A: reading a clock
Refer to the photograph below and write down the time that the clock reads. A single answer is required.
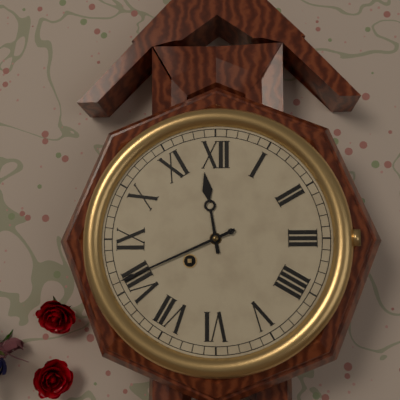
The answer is 11:41
